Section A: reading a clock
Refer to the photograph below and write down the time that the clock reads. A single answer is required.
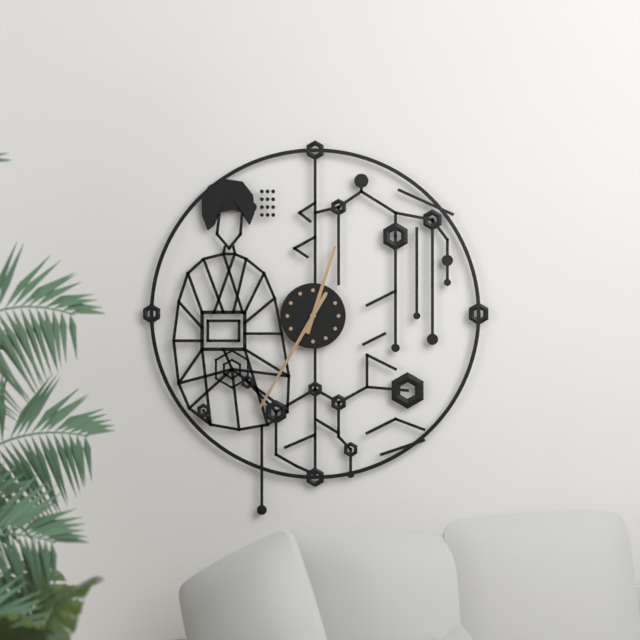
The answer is 12:35
